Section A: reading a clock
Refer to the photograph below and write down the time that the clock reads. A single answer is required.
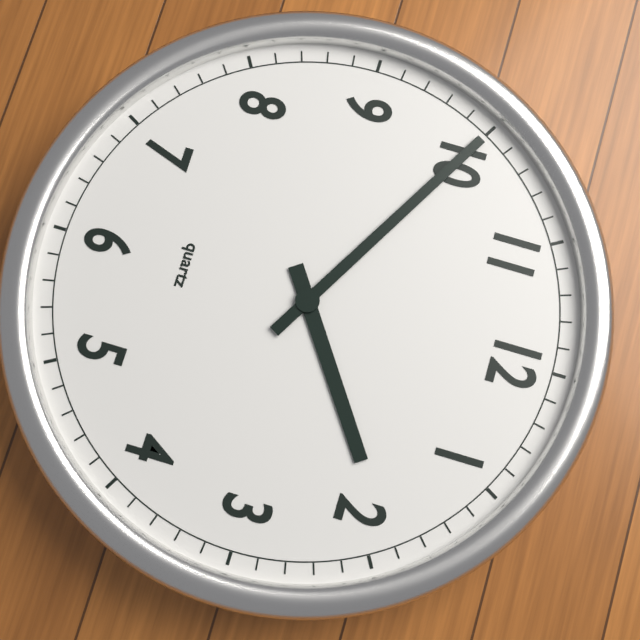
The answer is 1:50
